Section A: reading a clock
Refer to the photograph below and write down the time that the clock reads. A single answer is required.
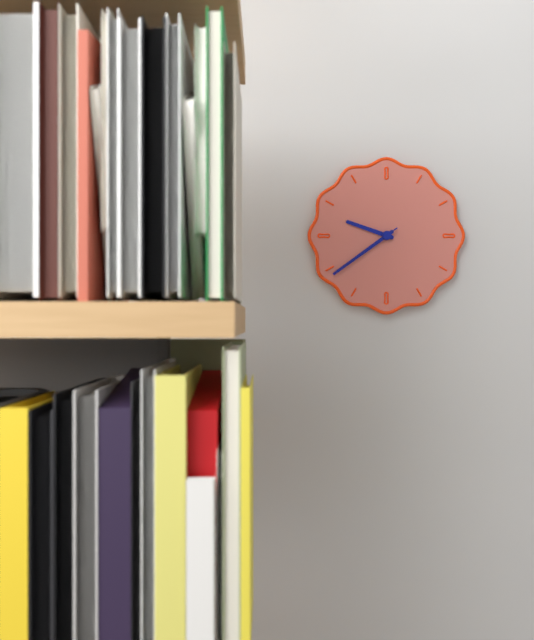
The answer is 9:39:39
